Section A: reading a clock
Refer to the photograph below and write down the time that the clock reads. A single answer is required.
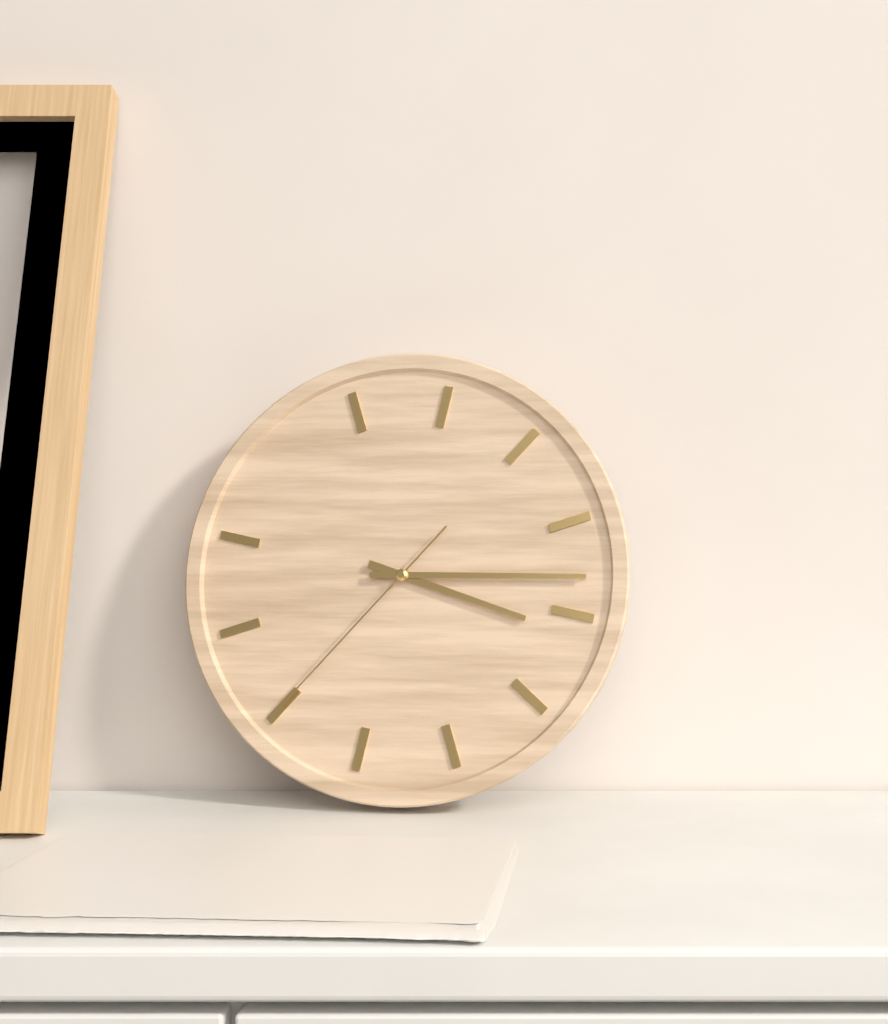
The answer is 3:13:35
